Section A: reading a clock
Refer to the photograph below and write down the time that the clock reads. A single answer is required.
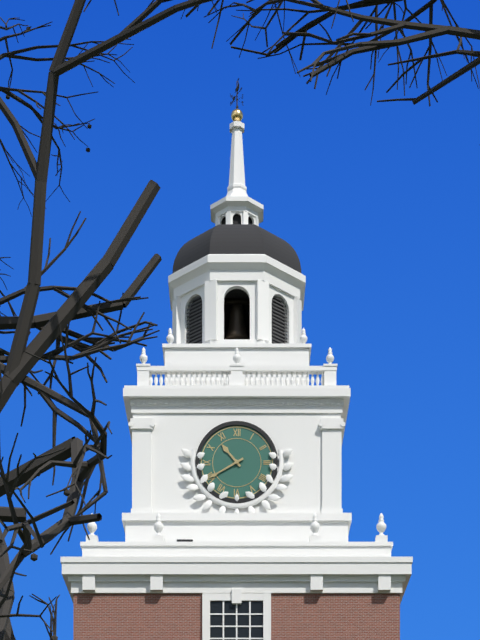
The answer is 10:40
